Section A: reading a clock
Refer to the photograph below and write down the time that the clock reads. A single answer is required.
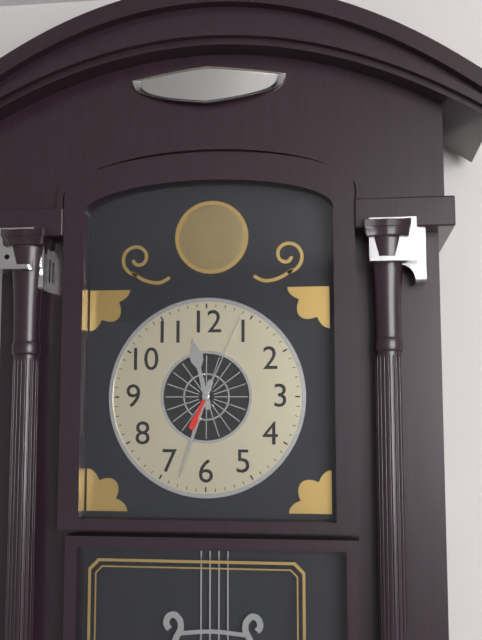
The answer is 11:33:04
